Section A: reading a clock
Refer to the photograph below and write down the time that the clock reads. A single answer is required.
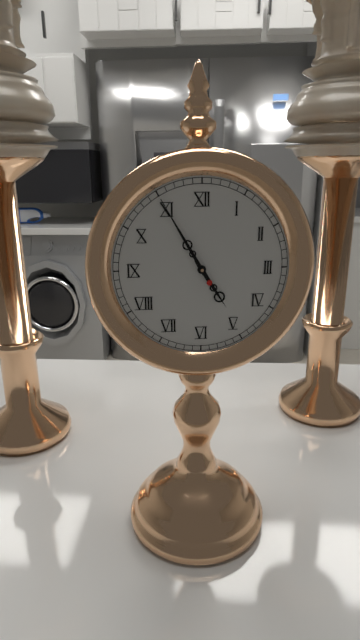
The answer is 4:55:55
